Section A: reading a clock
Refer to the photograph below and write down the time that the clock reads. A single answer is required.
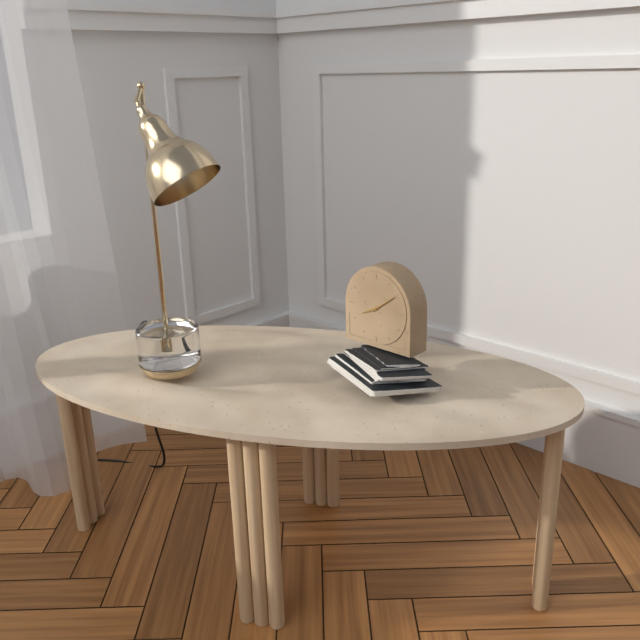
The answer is 8:09
